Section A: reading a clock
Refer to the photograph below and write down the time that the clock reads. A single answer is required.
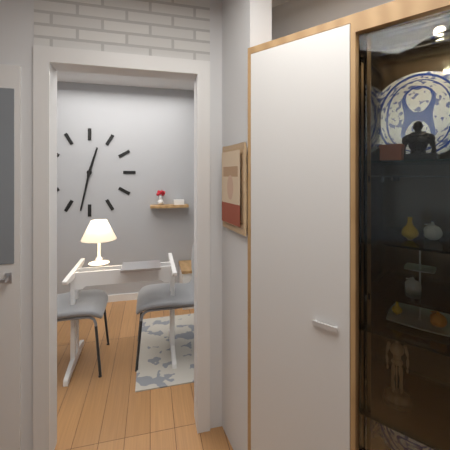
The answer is 12:32
